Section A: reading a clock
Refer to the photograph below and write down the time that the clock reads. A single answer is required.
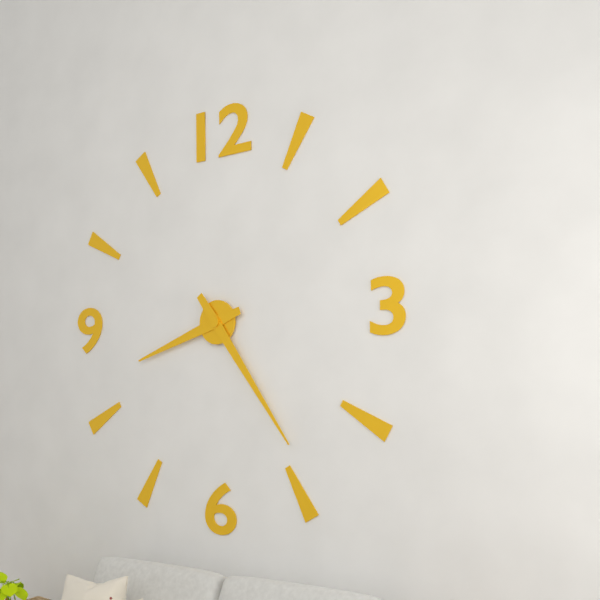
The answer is 8:24
